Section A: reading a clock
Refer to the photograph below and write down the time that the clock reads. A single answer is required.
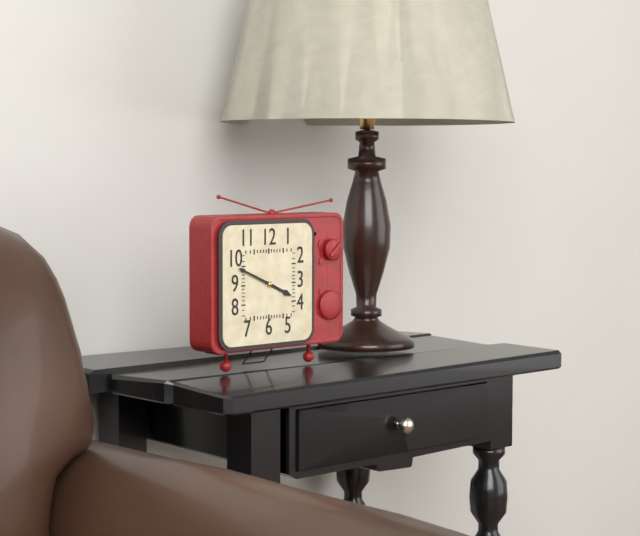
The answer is 3:49
